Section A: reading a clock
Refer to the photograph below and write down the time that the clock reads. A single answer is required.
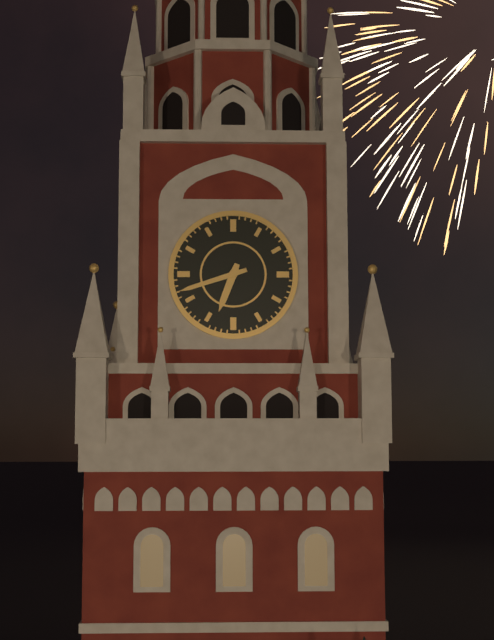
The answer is 6:42
